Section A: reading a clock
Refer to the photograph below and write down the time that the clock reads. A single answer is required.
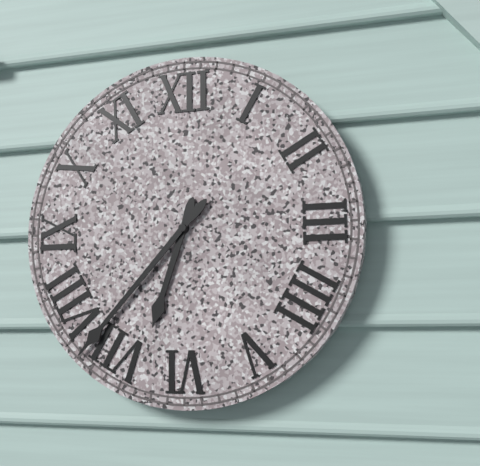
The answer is 6:37
